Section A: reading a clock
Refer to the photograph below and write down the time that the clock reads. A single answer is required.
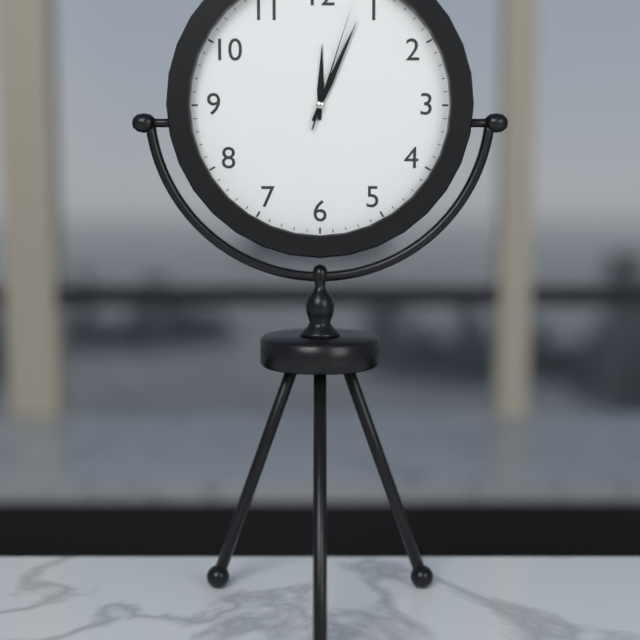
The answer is 12:04
